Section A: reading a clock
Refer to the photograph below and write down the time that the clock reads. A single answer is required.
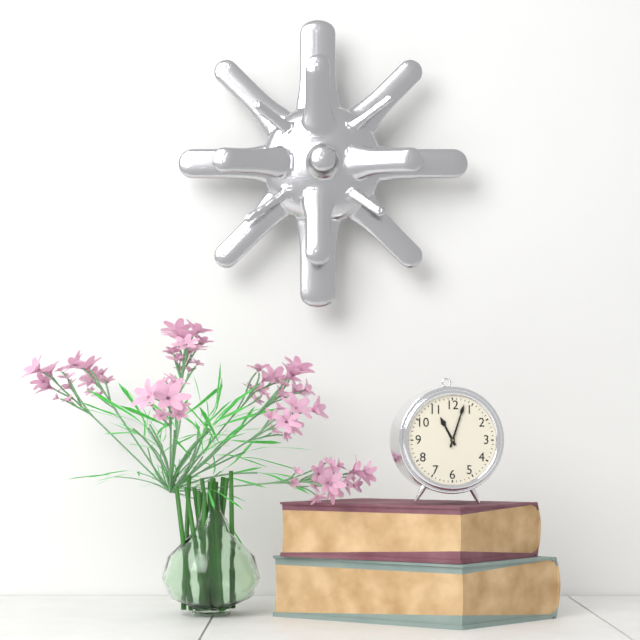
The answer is 11:03
